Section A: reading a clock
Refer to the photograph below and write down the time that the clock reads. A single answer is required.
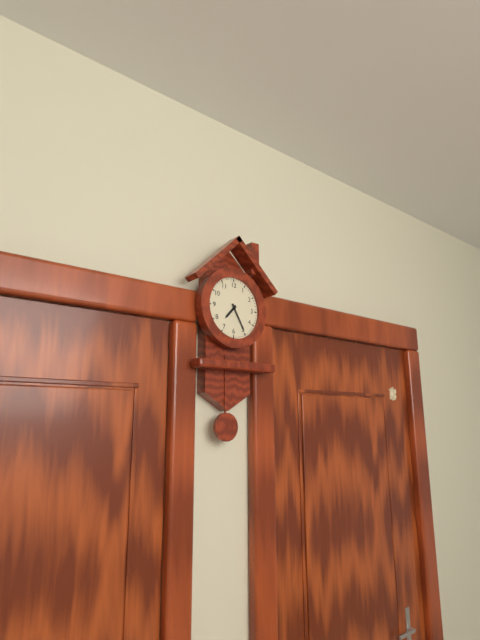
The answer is 7:25
